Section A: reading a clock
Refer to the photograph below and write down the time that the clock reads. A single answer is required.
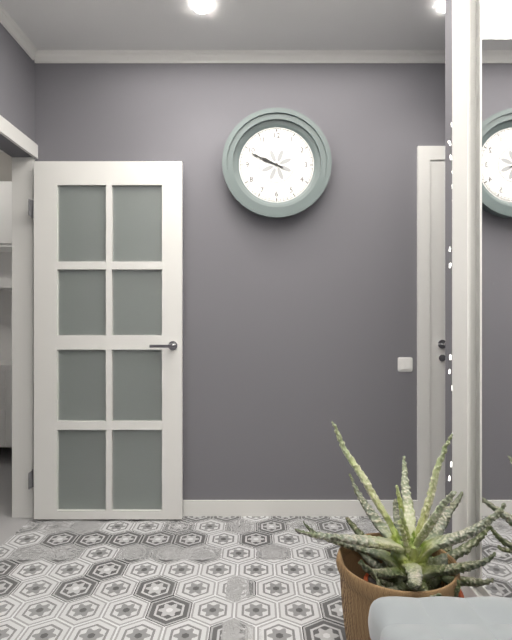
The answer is 9:49
